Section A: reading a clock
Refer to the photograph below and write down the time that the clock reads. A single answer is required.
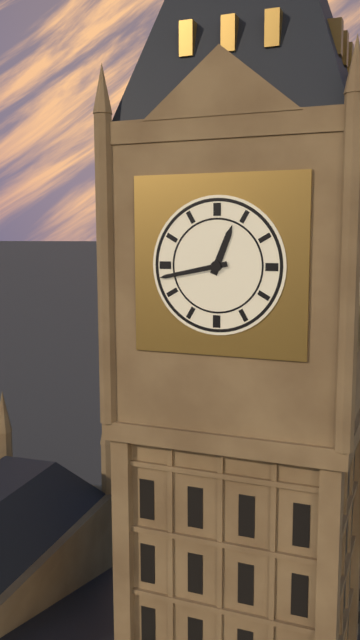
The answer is 12:43
